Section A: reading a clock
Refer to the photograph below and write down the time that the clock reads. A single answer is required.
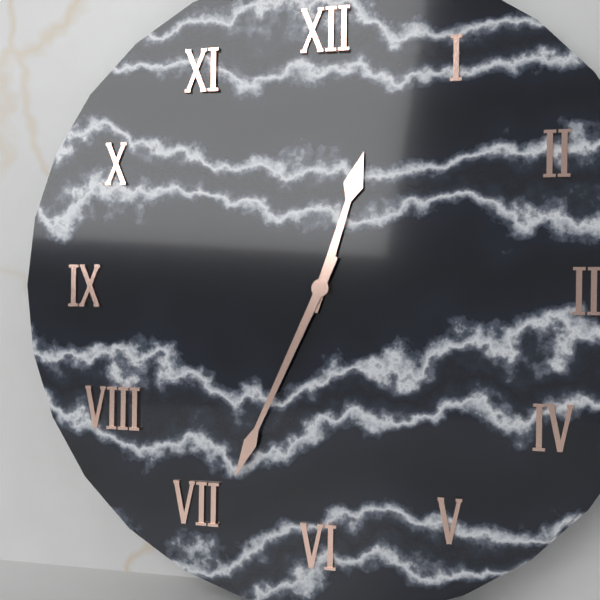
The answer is 12:34
